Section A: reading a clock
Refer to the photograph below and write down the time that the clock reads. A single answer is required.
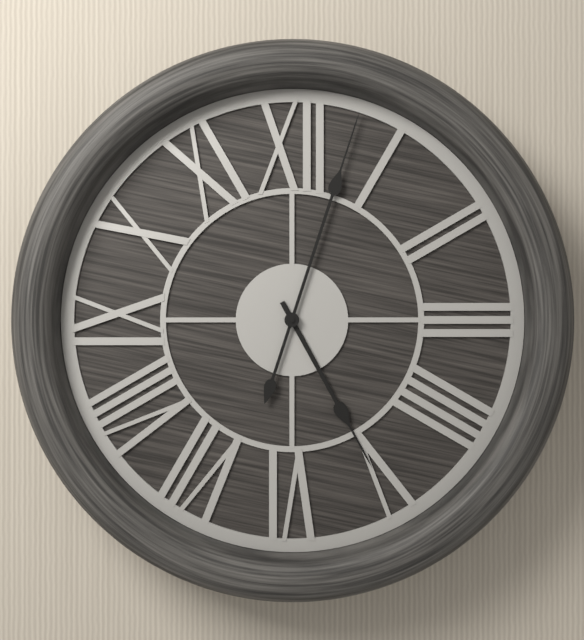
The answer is 5:03
